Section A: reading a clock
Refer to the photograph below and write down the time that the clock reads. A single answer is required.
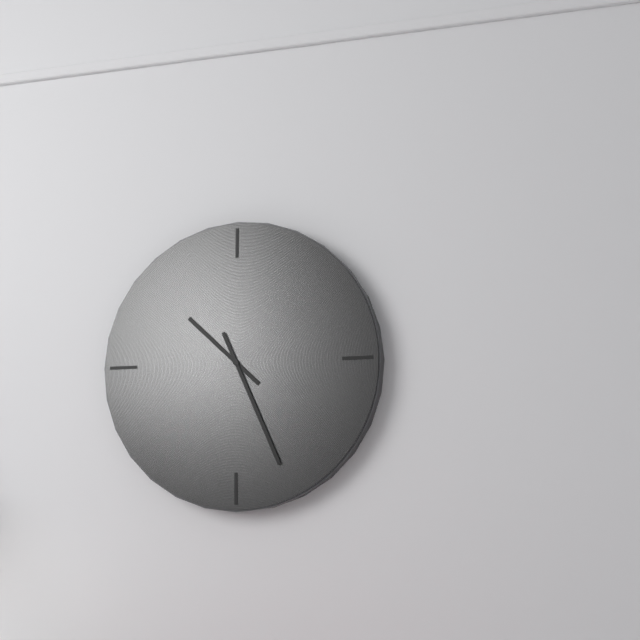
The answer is 10:26
